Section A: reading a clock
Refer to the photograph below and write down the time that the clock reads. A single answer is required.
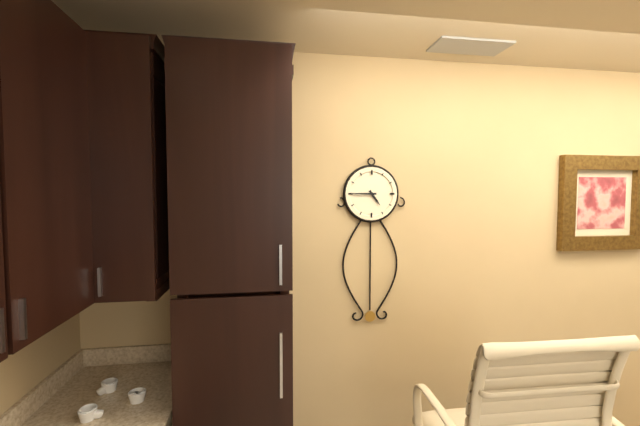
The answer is 4:45
